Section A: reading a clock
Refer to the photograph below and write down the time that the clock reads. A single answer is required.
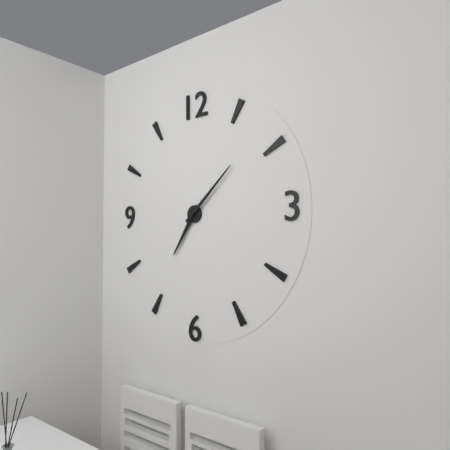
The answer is 7:08
